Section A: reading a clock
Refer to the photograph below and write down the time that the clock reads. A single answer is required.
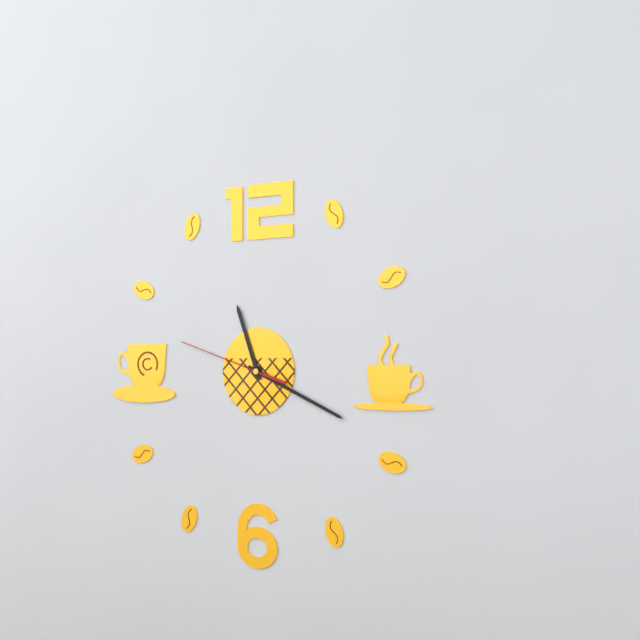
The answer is 11:19:48
